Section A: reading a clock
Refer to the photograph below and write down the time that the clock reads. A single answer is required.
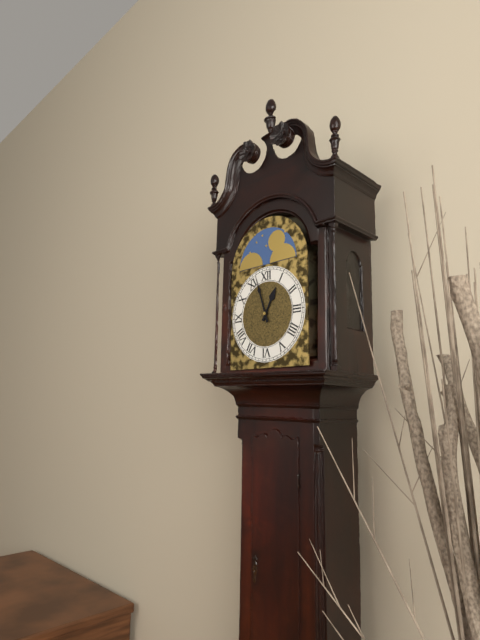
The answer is 12:57
